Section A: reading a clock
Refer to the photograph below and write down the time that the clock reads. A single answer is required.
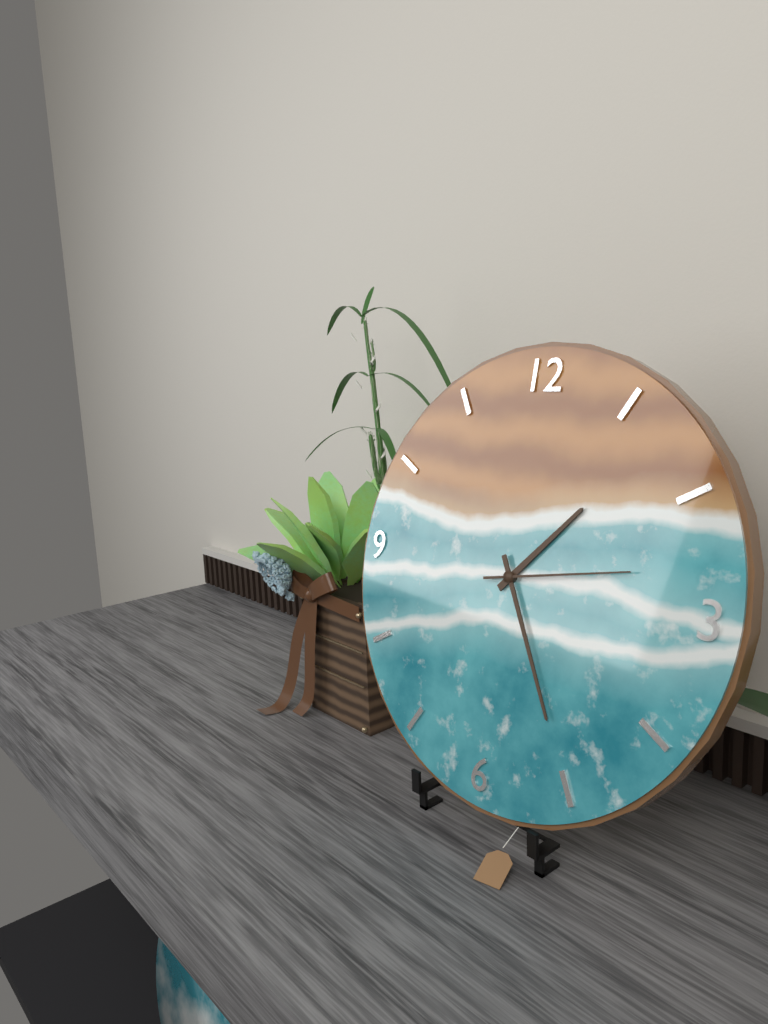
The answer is 1:25:13
